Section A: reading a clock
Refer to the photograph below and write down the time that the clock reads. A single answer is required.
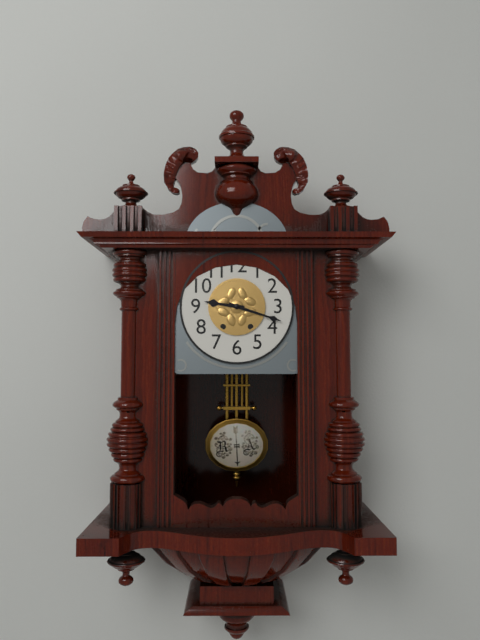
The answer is 9:18
